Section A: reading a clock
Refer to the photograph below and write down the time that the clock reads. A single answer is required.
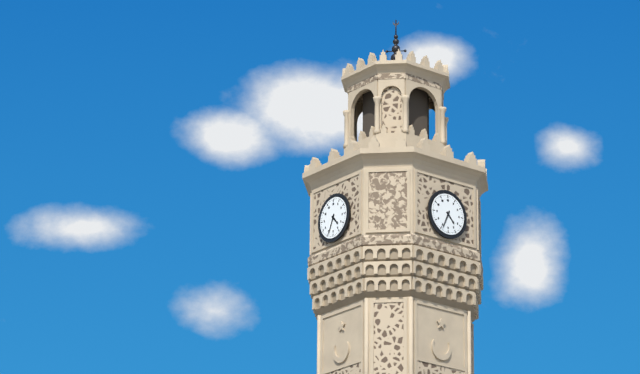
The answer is 4:34
